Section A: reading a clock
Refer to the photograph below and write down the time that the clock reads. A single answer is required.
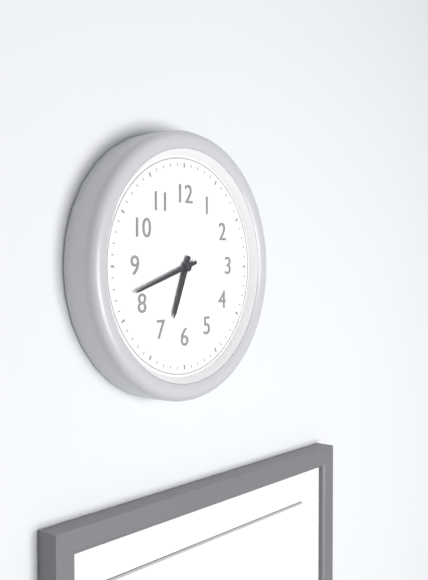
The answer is 6:42
